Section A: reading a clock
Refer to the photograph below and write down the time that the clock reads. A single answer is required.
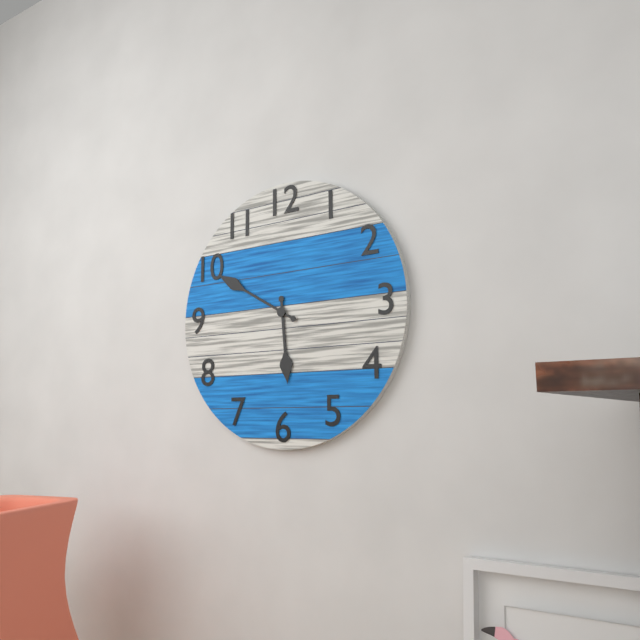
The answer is 5:50
